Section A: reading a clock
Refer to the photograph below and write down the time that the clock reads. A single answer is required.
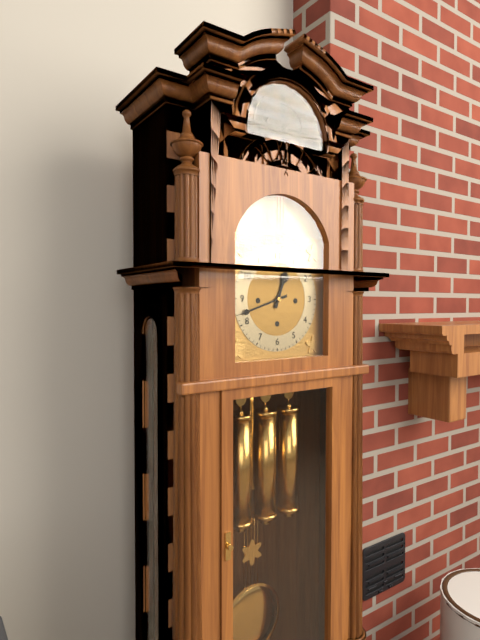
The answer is 12:42
